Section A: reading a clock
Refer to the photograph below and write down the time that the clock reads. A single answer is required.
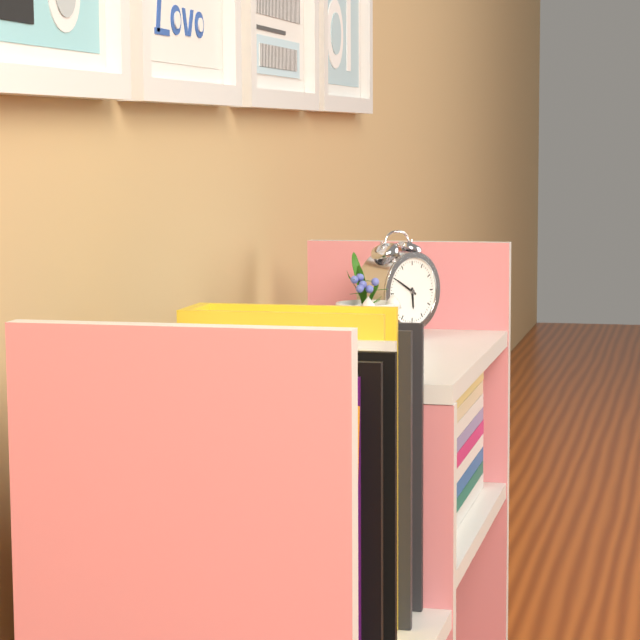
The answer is 5:50
